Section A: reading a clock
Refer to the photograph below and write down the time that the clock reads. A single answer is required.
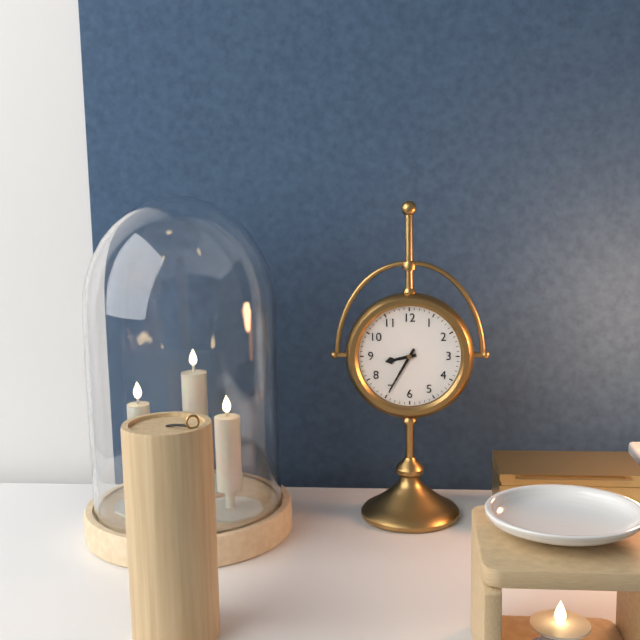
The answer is 8:35
